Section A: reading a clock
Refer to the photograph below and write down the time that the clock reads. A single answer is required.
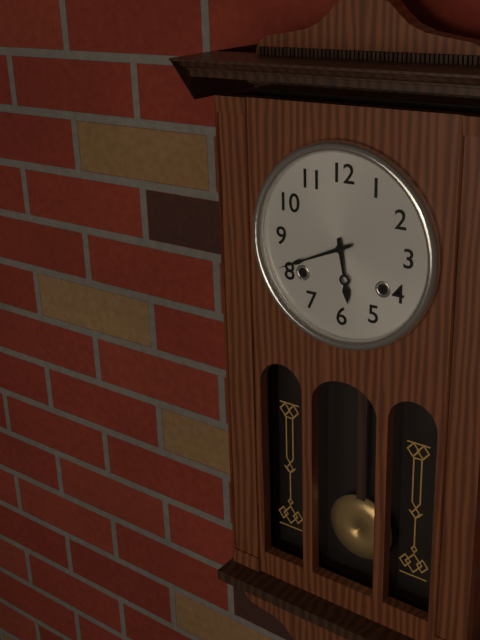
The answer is 5:41
